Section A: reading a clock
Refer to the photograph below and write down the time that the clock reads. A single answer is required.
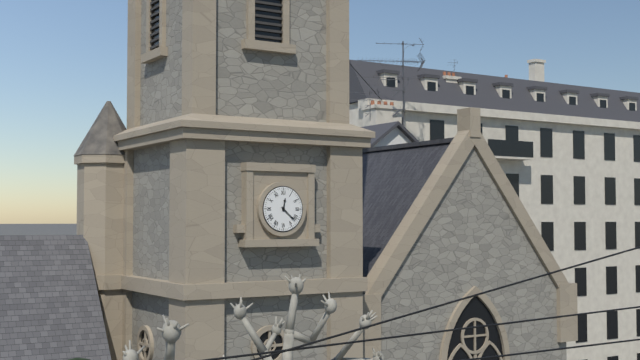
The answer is 12:22
